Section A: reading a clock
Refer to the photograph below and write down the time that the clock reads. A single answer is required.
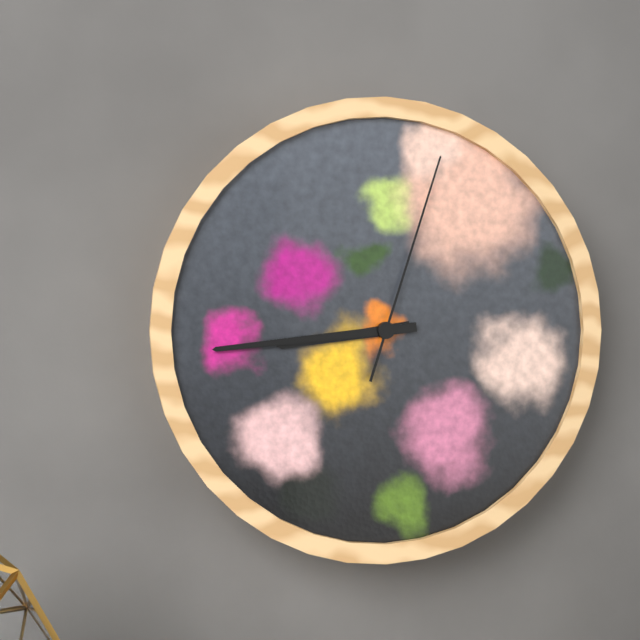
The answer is 8:44:03
